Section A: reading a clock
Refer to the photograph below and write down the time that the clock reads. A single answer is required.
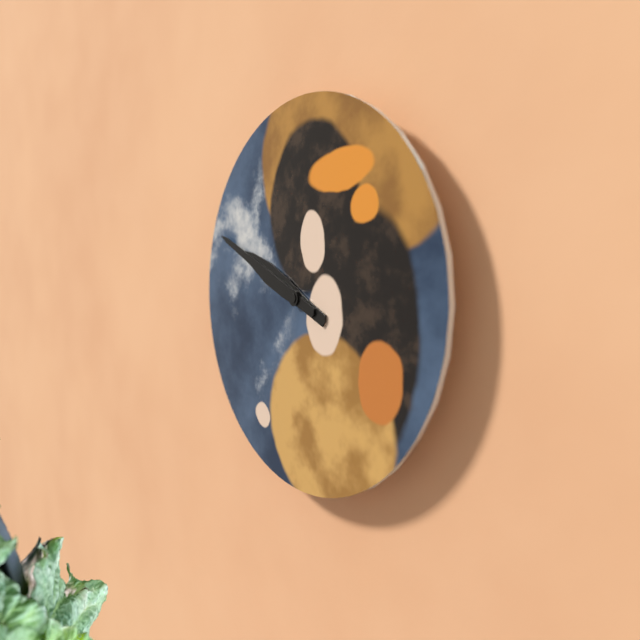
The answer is 9:49
